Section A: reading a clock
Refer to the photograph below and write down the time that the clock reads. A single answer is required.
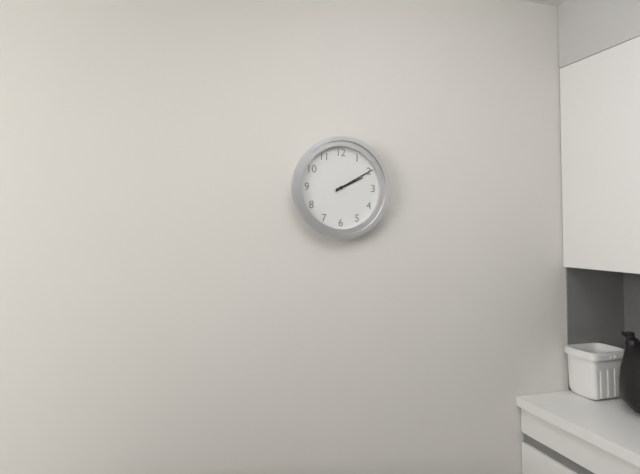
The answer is 2:10
